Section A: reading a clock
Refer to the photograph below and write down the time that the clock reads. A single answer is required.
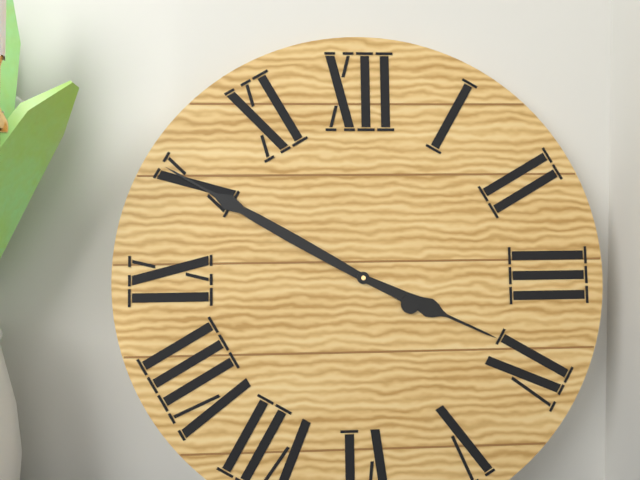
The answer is 3:50
